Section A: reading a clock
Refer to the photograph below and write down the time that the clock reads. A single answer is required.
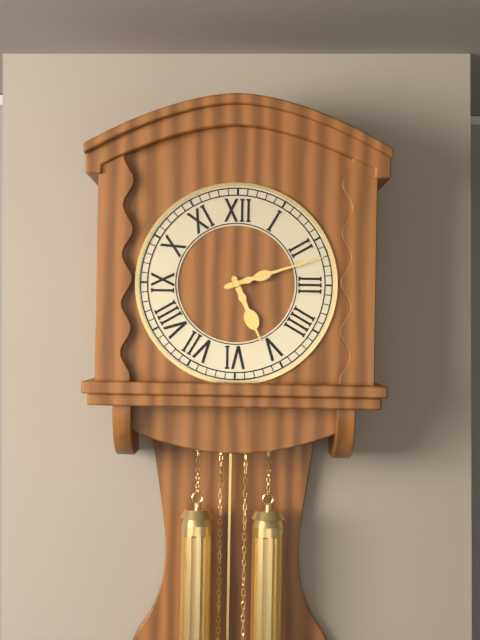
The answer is 5:12
